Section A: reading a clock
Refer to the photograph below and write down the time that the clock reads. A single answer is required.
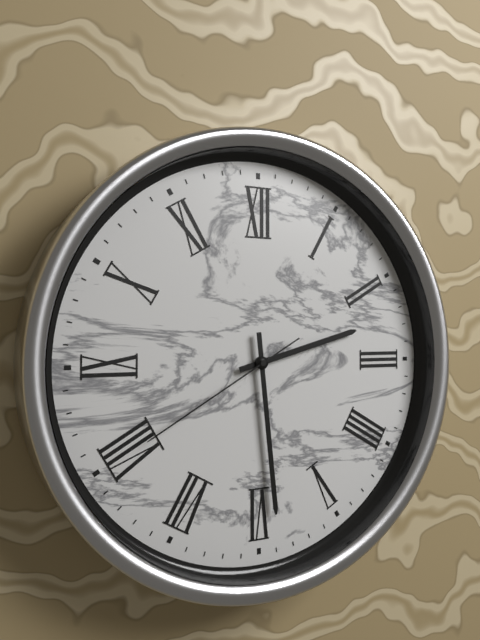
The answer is 2:29:40
